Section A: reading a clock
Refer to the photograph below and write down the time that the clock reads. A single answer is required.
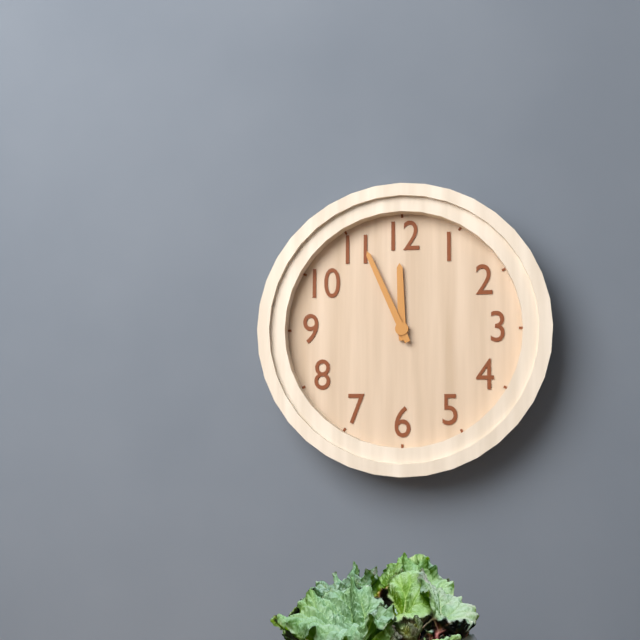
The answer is 11:56
